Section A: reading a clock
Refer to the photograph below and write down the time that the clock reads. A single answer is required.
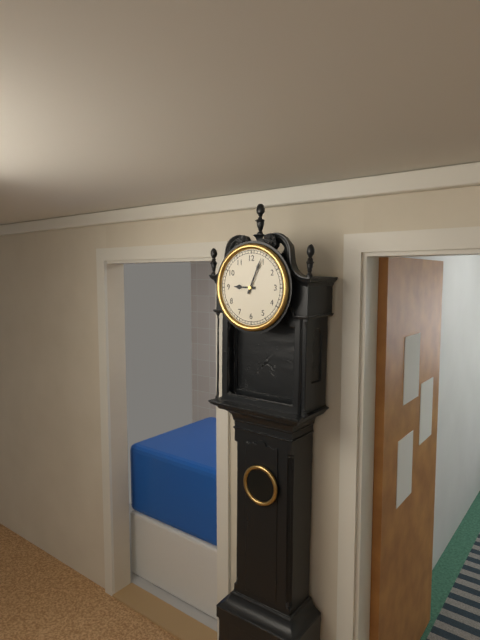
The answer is 9:04
